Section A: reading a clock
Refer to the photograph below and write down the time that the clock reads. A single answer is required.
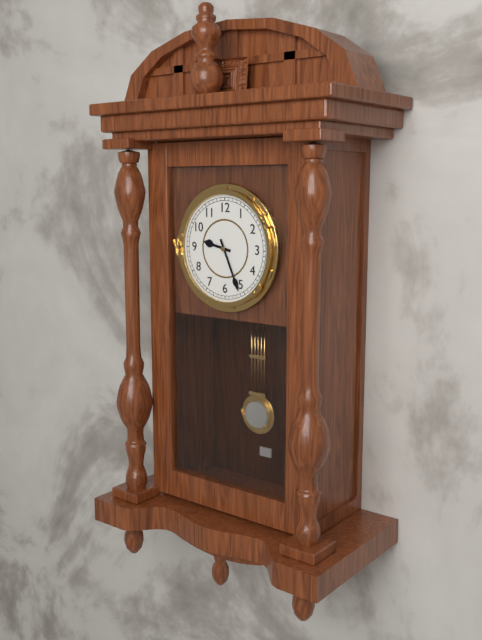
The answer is 9:26
